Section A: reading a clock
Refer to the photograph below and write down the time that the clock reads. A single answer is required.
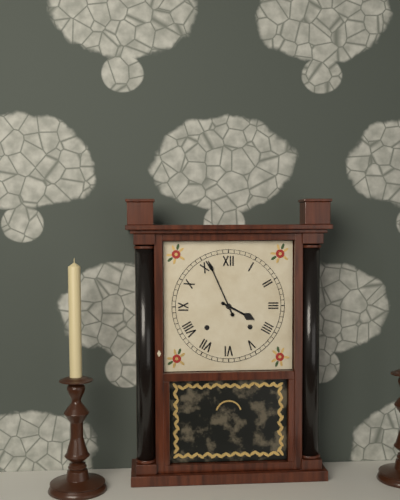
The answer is 3:56
